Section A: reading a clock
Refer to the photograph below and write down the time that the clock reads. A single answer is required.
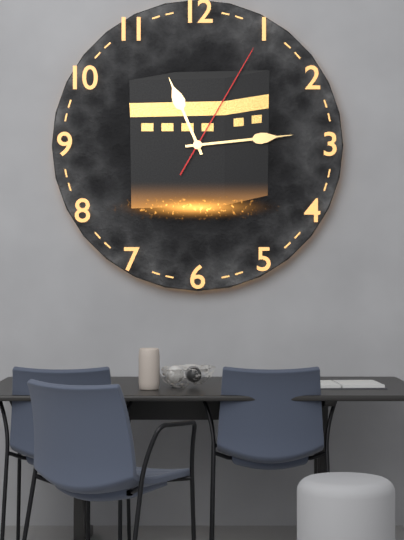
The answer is 11:14:05
